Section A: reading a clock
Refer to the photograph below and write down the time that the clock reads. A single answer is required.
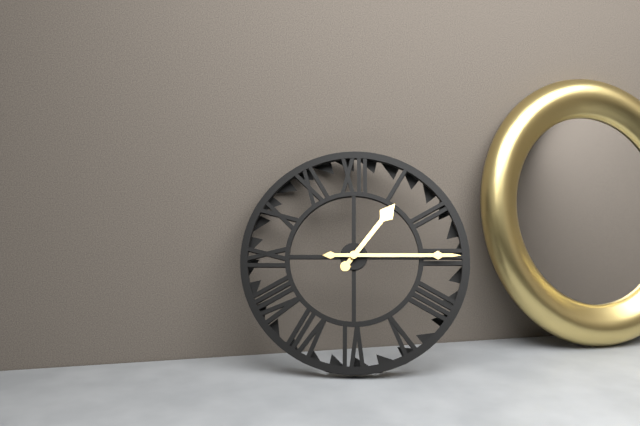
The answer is 1:15
